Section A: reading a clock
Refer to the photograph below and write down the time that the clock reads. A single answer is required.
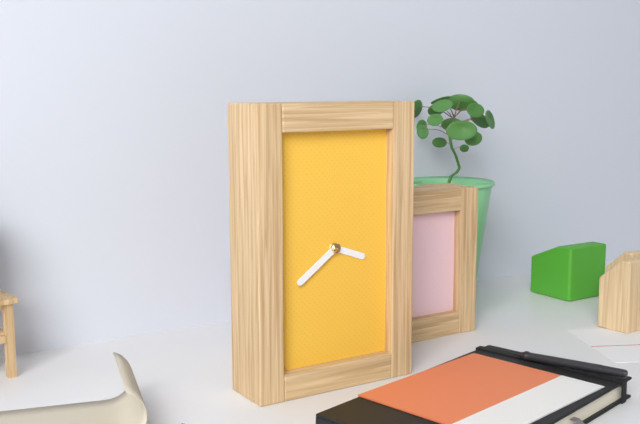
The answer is 3:39
